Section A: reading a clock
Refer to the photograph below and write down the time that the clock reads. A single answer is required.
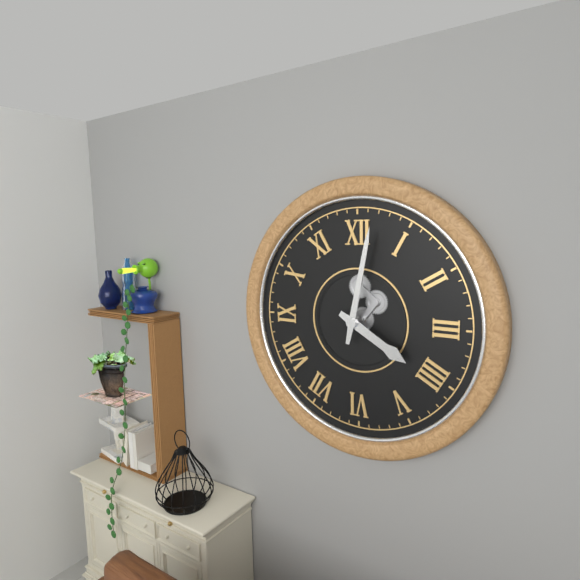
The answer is 4:02
